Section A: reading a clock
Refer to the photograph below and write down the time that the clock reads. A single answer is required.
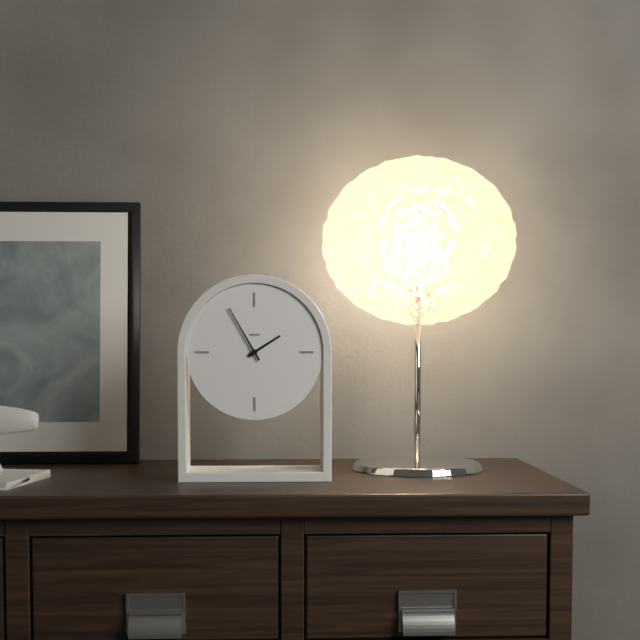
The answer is 1:55
